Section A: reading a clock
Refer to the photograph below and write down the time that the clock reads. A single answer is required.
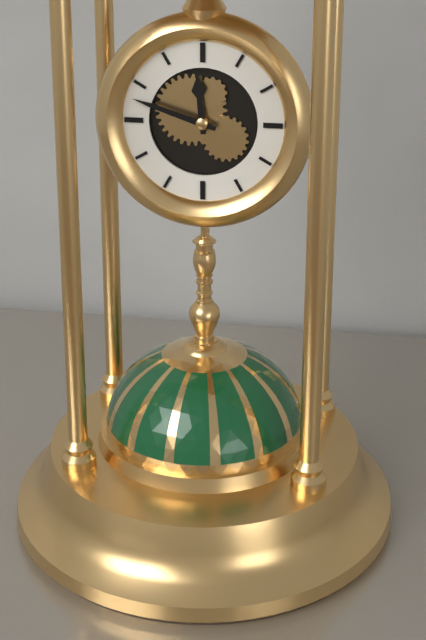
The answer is 11:48
